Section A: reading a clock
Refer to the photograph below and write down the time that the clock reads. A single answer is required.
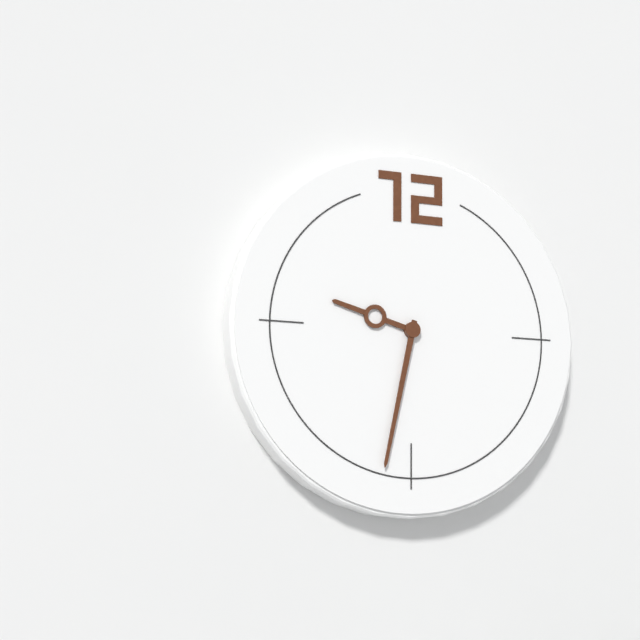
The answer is 9:32
